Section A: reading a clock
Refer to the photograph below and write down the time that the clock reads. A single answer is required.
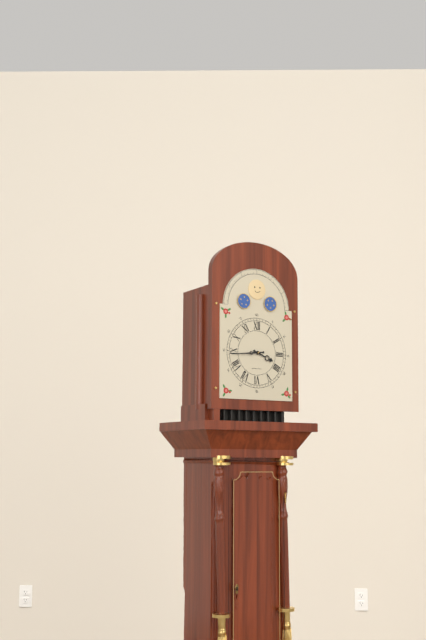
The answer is 3:44
